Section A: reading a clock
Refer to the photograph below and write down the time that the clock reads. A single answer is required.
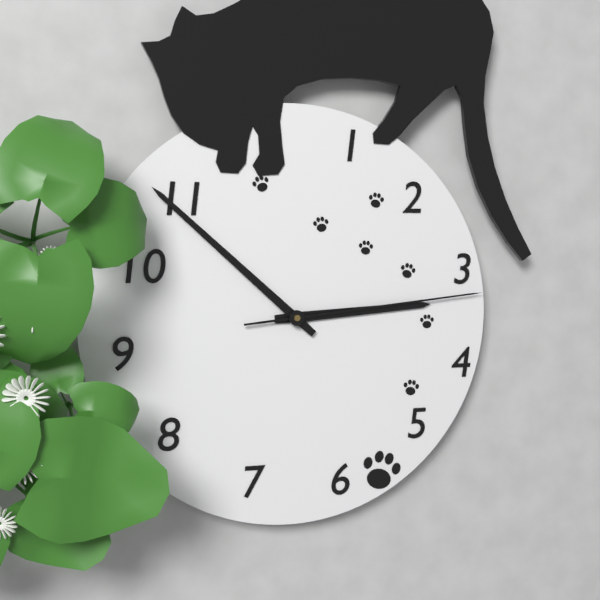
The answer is 2:52:14
